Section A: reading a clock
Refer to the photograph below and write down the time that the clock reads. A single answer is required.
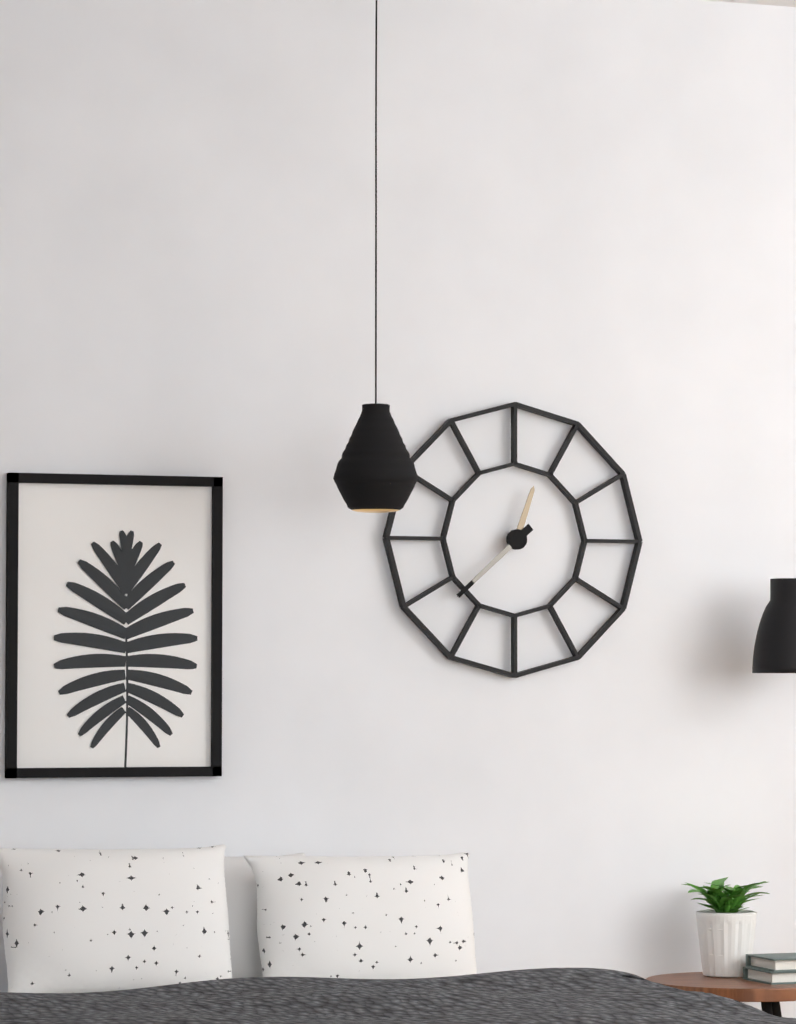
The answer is 12:38
